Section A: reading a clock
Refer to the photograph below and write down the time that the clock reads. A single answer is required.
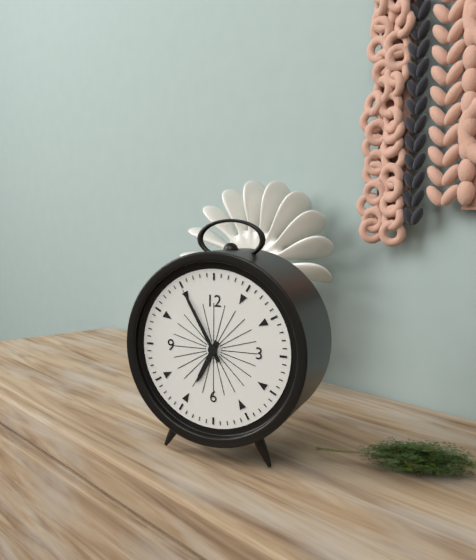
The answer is 6:55
